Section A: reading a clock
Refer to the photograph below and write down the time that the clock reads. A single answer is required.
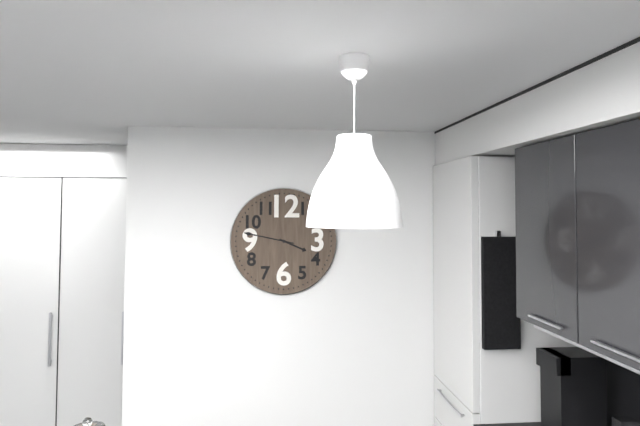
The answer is 3:47
